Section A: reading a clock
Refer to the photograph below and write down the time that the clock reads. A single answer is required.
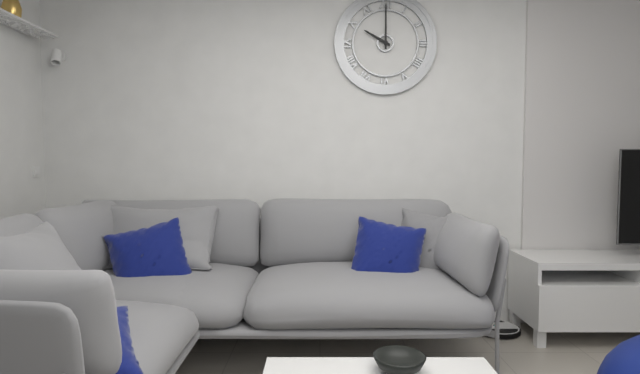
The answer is 10:00
